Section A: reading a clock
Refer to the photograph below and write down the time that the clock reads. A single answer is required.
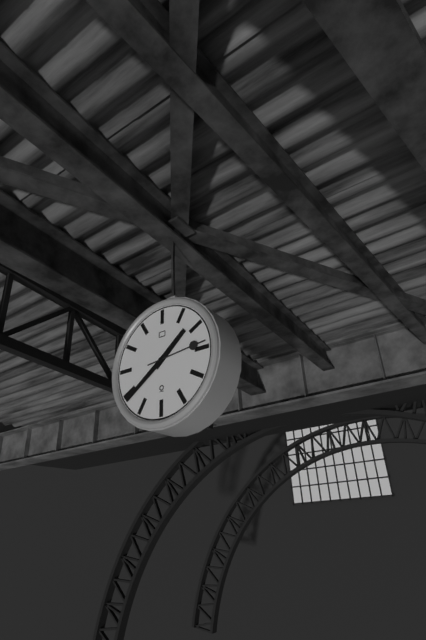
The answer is 1:39:14
